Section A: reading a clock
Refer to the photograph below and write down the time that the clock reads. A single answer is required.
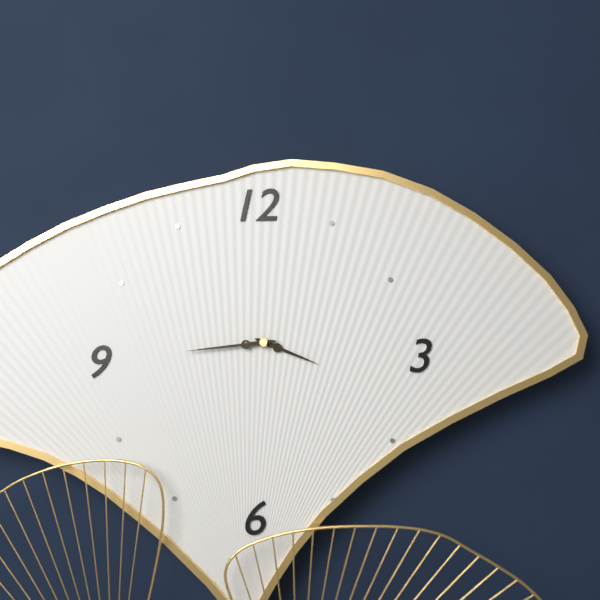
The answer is 3:44
